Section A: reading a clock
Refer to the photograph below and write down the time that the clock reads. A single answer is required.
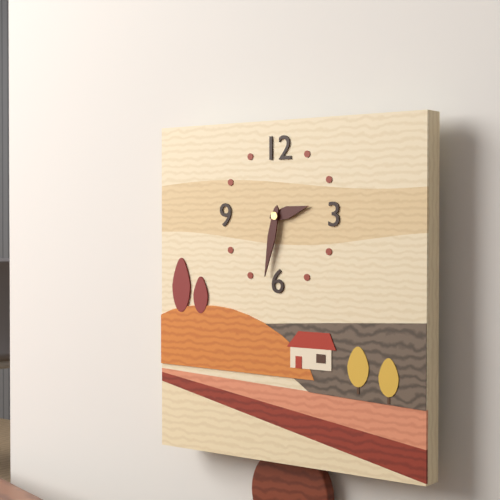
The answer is 2:32
